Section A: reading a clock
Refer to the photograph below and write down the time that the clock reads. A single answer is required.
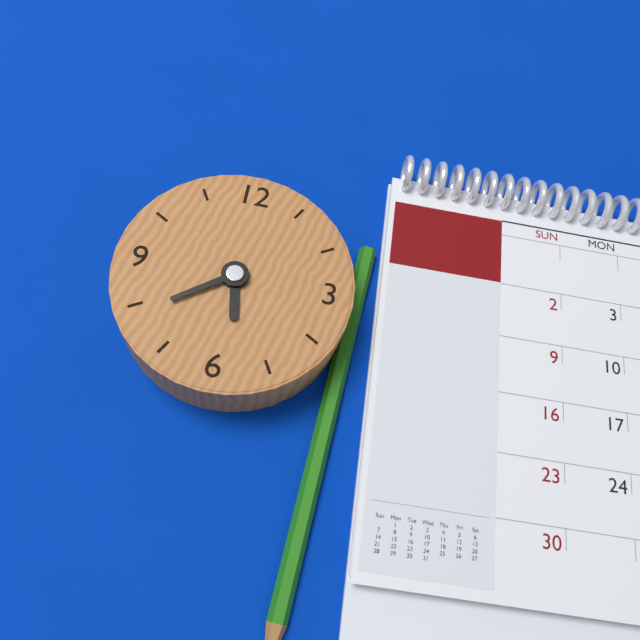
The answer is 5:39
